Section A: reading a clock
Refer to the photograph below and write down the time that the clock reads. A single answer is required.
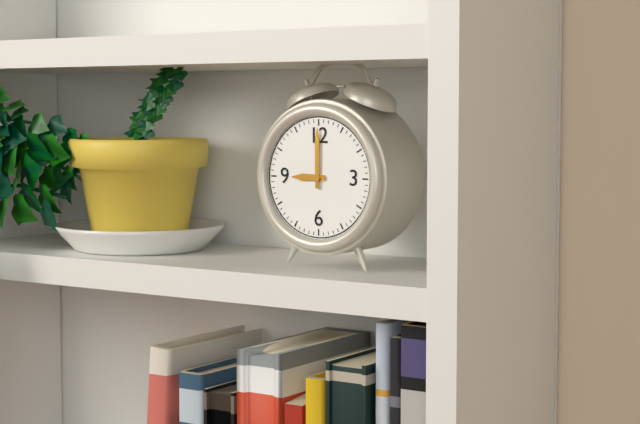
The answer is 9:00
